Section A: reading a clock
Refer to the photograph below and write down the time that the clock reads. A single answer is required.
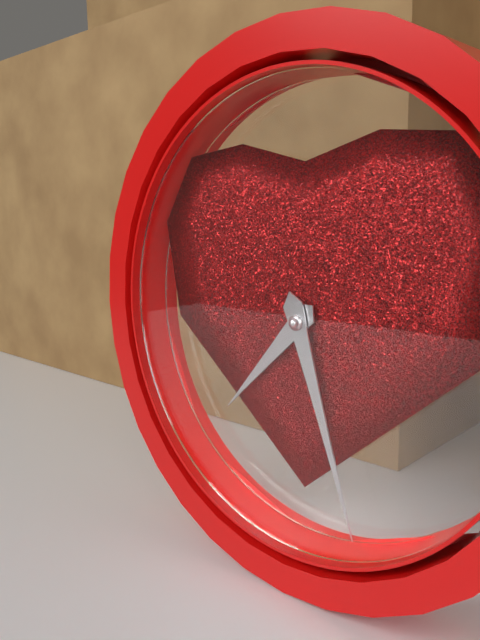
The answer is 7:27
